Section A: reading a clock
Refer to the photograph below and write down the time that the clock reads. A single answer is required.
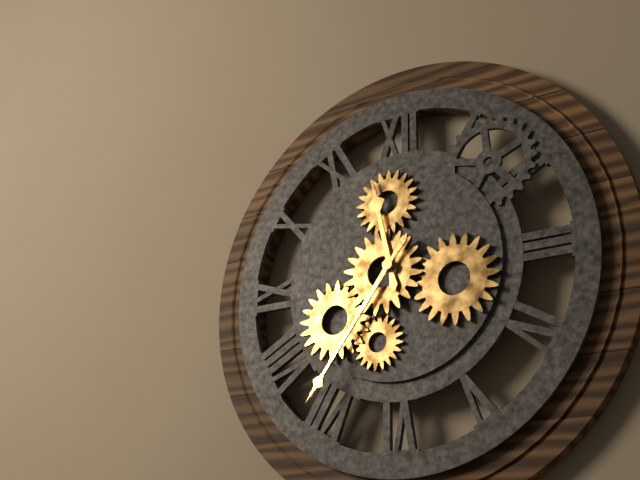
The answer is 11:36
